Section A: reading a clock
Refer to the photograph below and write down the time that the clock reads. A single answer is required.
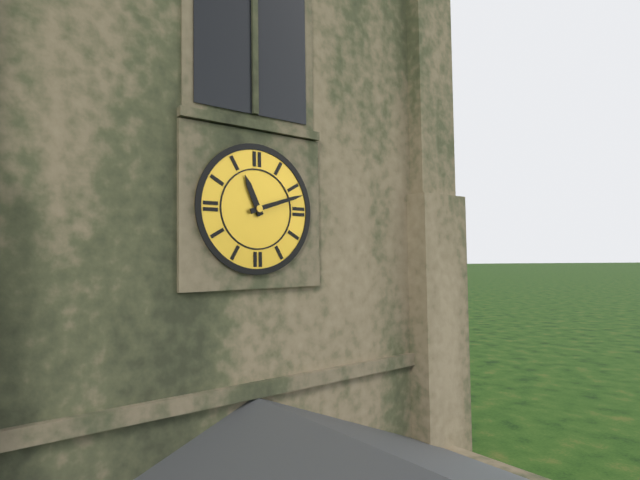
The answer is 11:12
